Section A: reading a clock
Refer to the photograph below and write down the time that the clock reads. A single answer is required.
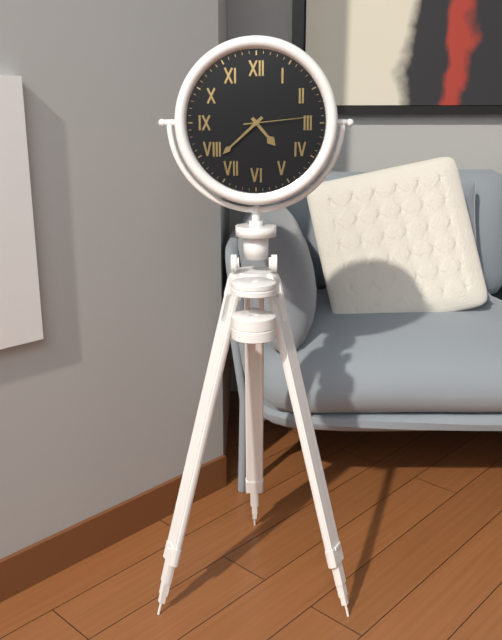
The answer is 4:38:14
